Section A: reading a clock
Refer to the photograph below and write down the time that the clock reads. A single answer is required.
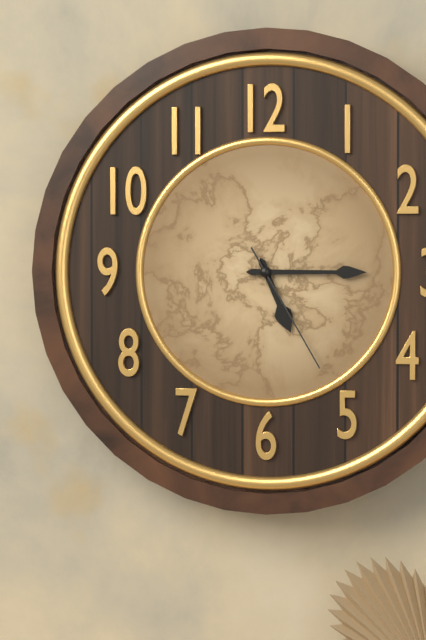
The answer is 5:15:25
